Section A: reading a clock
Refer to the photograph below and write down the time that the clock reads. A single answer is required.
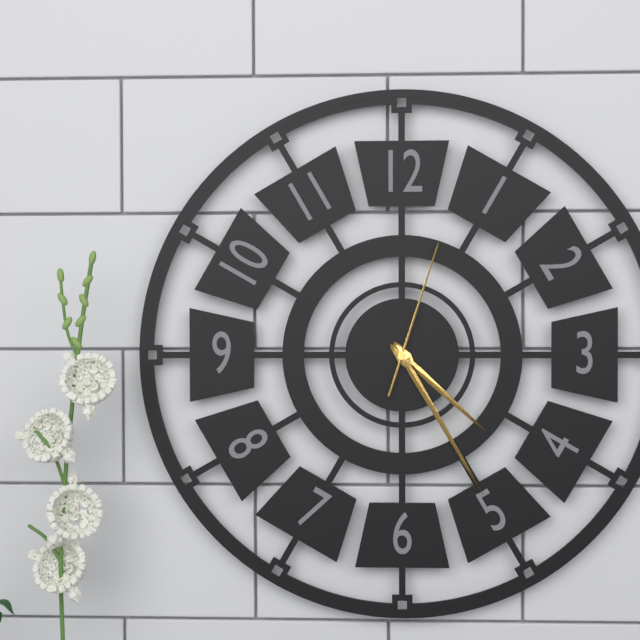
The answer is 4:25:03
